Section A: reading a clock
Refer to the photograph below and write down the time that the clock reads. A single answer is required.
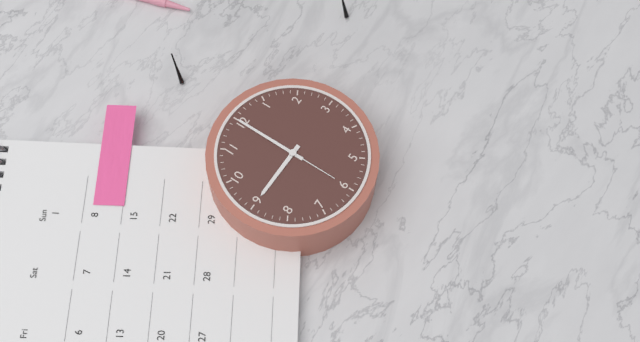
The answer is 9:00:30
